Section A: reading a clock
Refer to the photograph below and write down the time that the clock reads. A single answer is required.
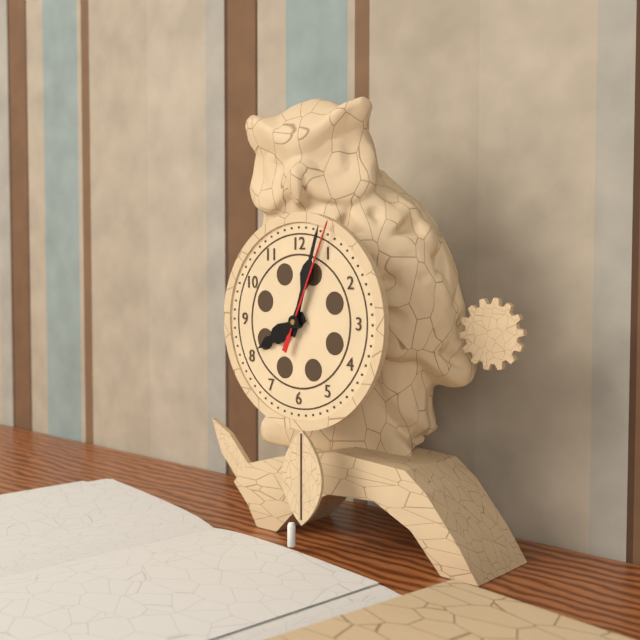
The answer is 8:03:04
